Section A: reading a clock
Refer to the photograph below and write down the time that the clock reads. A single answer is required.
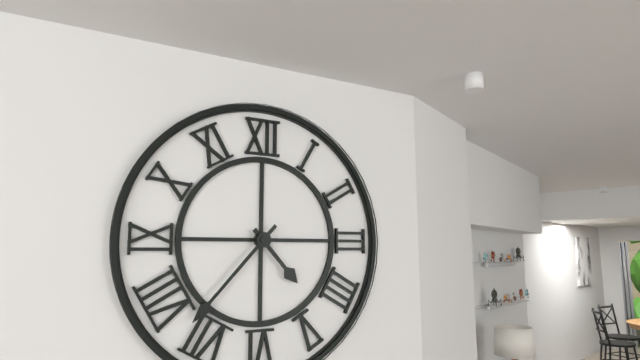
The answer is 4:37
